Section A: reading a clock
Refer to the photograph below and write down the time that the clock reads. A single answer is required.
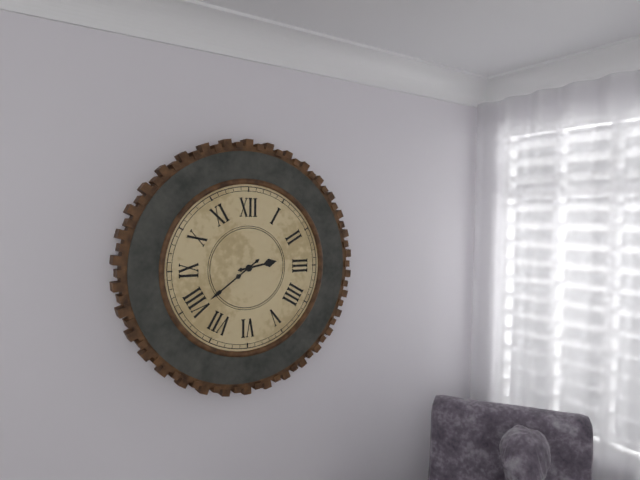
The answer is 2:39
